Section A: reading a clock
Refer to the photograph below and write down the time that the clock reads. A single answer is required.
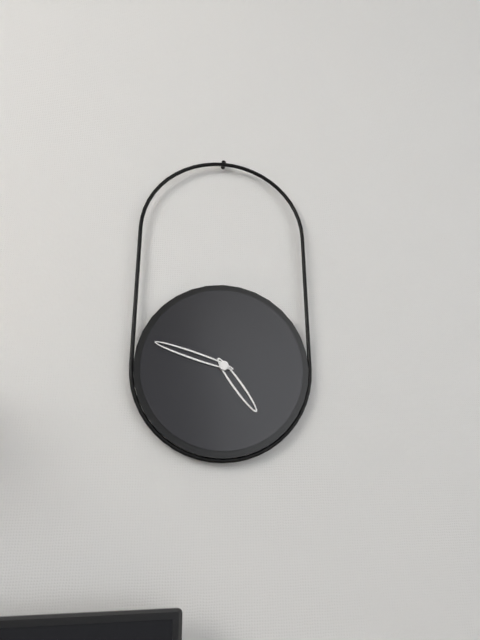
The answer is 4:48
